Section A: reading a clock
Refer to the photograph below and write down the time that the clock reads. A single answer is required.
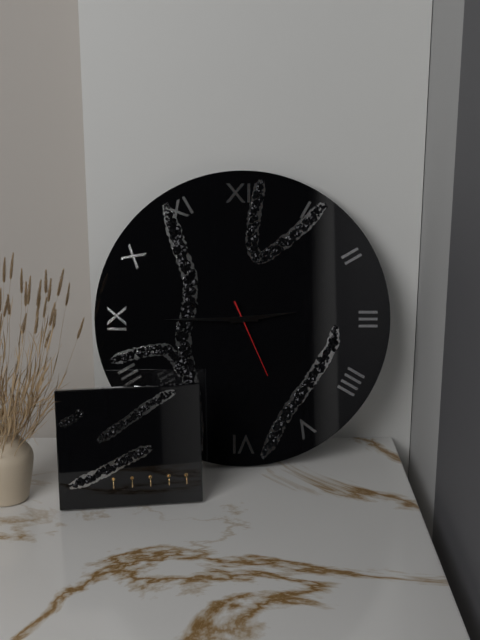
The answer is 2:45:26
